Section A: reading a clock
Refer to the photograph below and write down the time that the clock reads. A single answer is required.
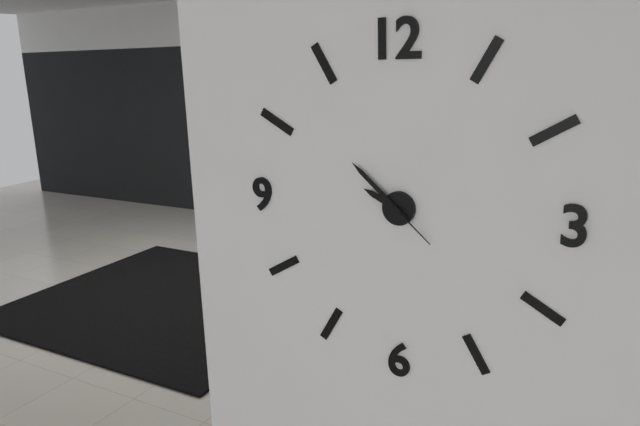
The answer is 9:52:22
